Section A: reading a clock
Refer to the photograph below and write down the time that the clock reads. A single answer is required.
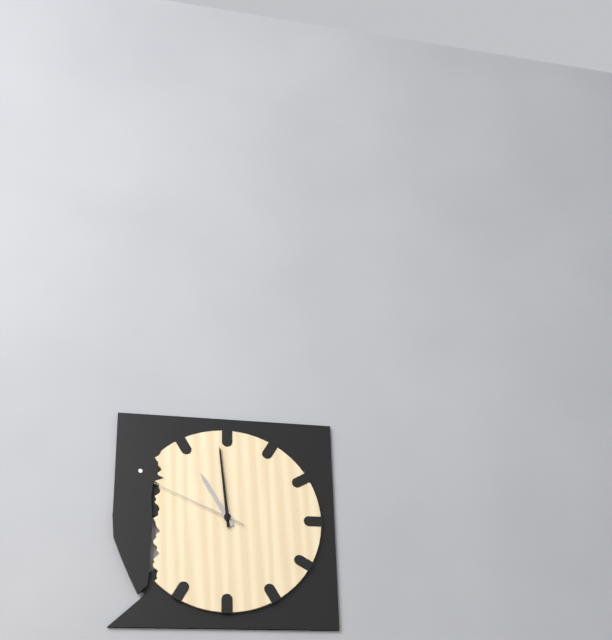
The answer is 10:59:49
